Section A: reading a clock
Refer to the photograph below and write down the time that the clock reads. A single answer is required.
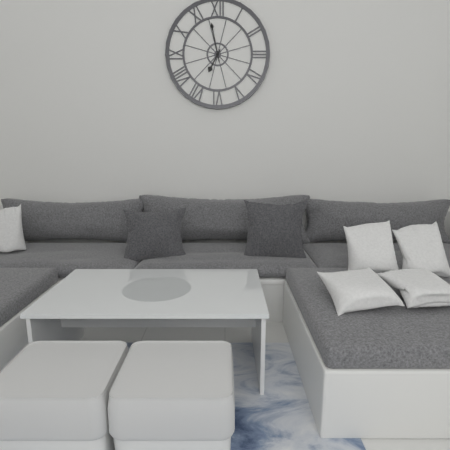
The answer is 6:58
